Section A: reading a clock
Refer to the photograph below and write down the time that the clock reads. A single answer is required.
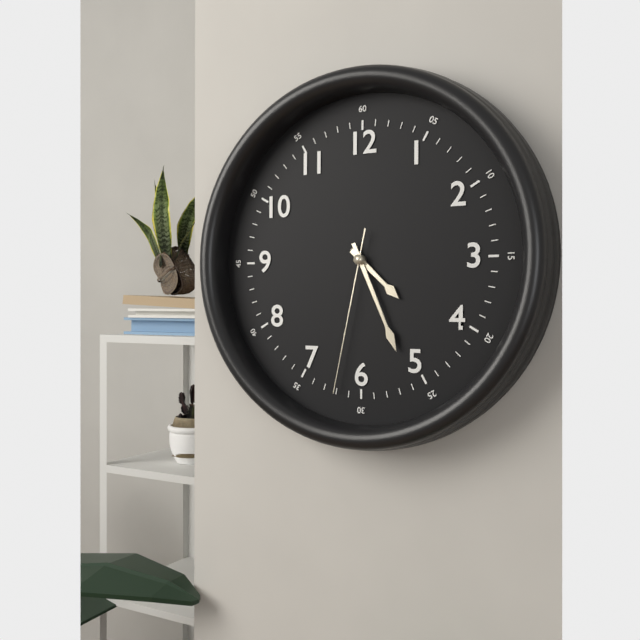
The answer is 4:26:32
